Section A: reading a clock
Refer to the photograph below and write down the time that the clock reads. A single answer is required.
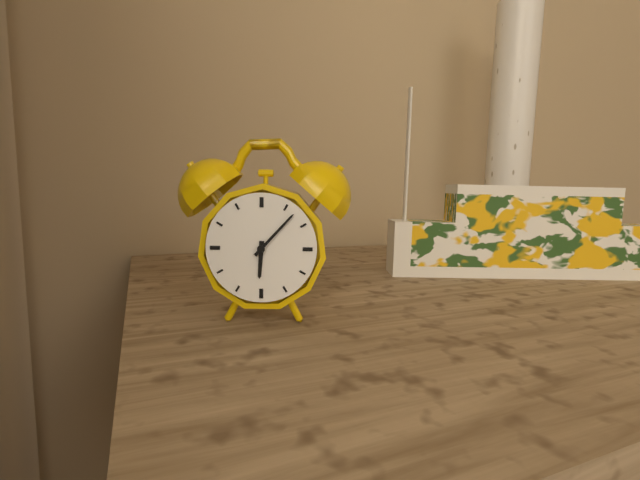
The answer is 6:07
